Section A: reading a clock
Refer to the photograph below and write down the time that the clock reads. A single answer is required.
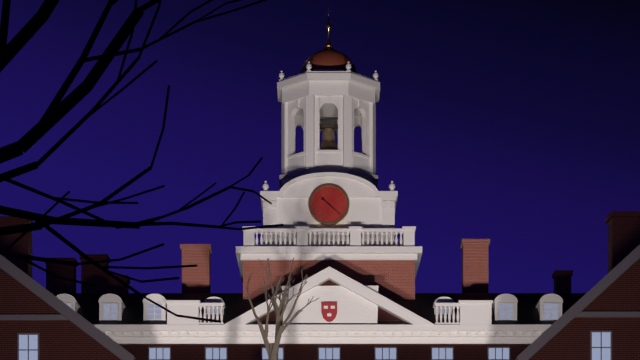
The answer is 10:22
